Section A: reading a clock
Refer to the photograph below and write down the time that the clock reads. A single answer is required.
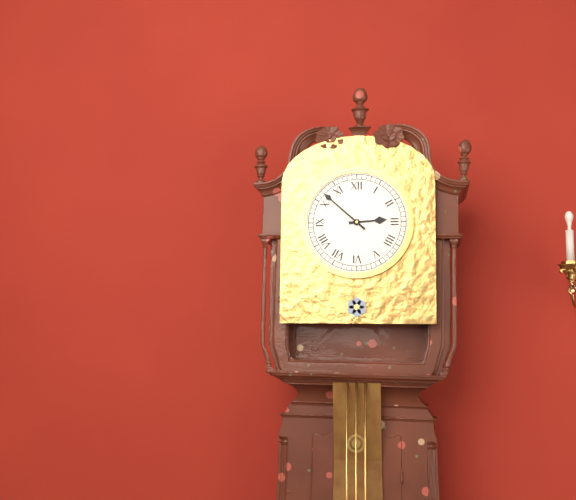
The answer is 2:52
